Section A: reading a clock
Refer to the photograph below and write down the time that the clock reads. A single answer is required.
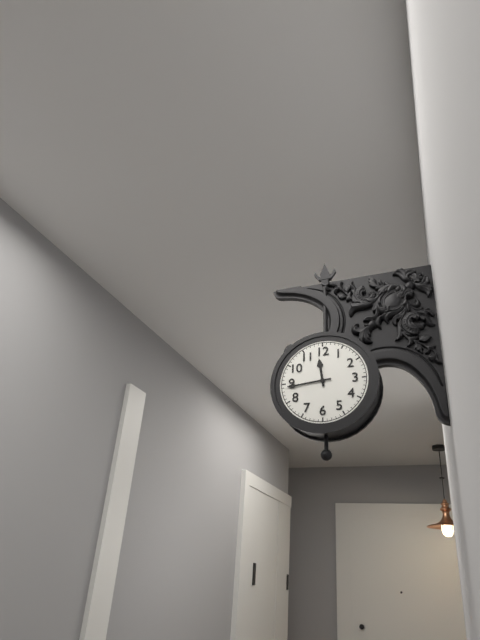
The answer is 11:44
